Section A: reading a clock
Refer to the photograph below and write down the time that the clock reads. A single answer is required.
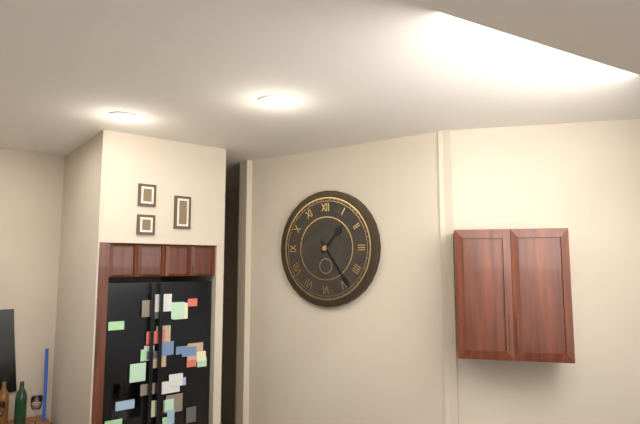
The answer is 1:24
